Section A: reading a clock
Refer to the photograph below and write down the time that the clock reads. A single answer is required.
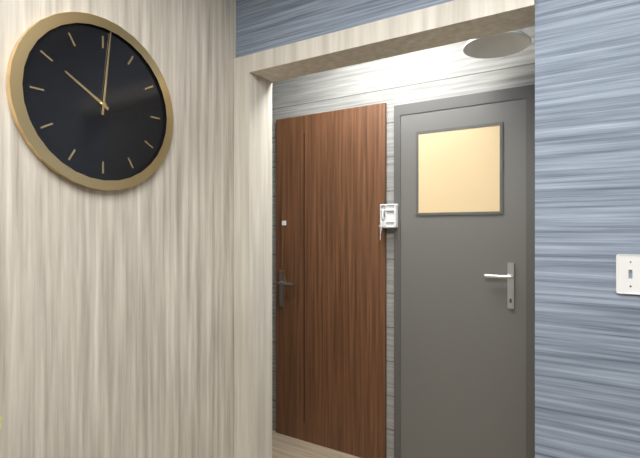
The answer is 10:01
